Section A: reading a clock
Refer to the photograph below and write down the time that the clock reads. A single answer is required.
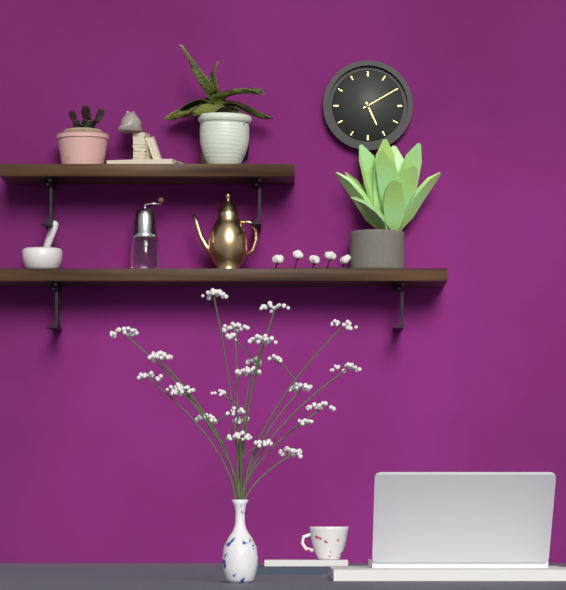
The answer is 5:10
